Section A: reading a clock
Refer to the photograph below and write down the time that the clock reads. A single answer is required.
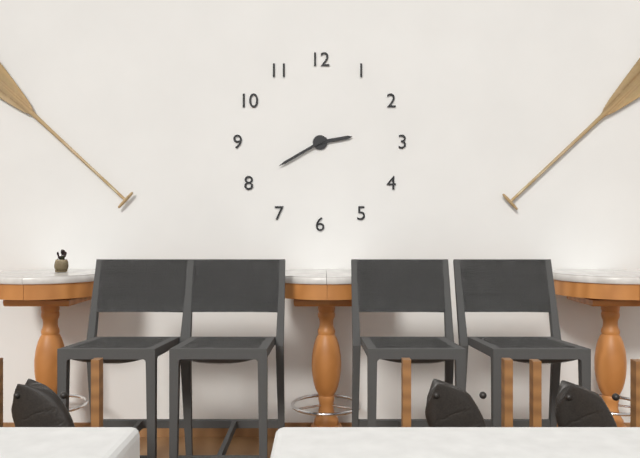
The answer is 2:40
